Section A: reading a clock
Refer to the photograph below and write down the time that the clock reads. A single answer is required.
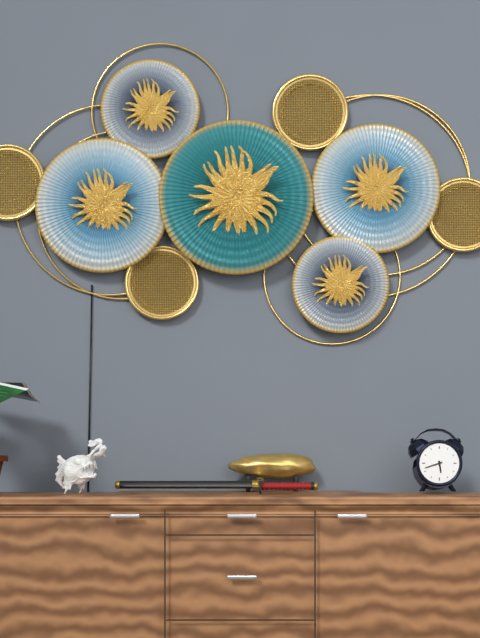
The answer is 5:42
